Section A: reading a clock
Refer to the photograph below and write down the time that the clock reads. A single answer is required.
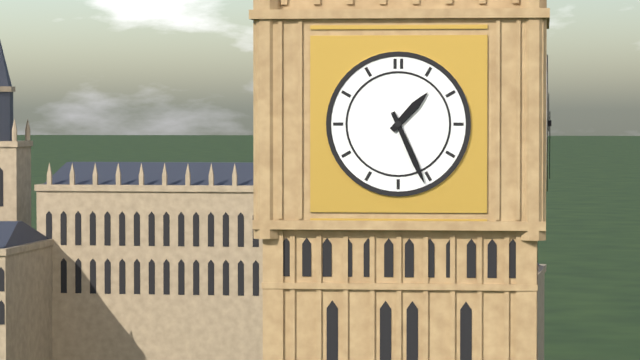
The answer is 1:26
